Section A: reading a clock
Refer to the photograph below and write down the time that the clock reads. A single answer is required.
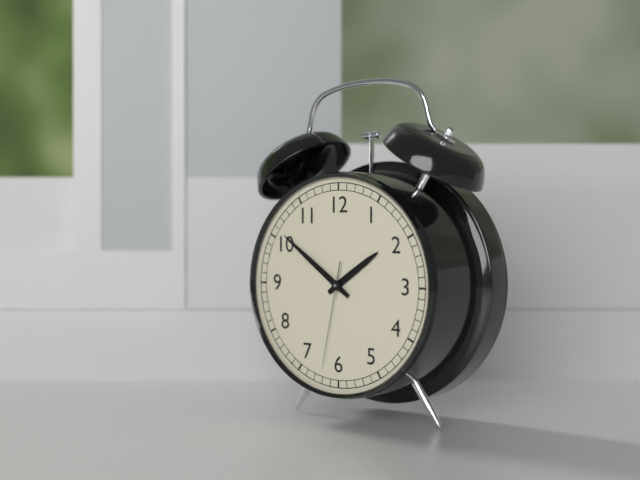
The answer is 1:51:32
